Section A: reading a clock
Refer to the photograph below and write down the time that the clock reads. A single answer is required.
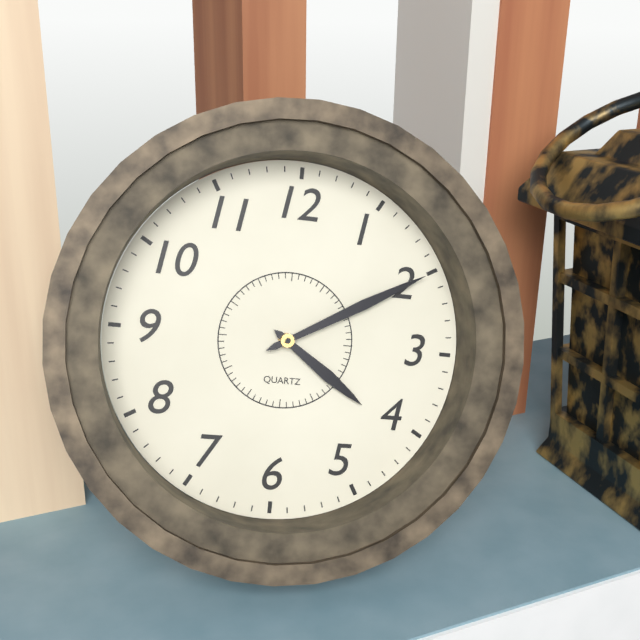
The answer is 4:10
